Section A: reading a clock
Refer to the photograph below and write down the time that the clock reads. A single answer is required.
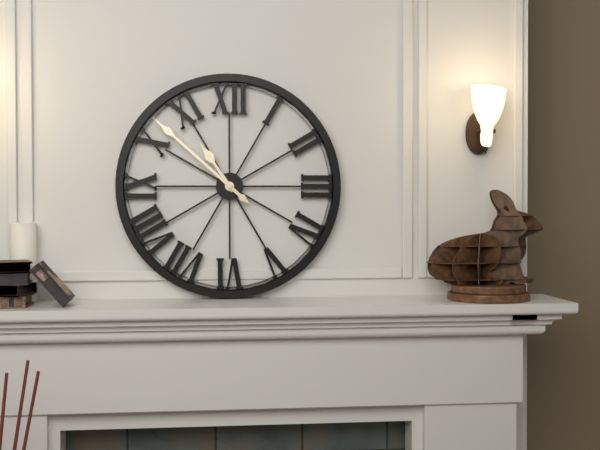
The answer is 10:52
